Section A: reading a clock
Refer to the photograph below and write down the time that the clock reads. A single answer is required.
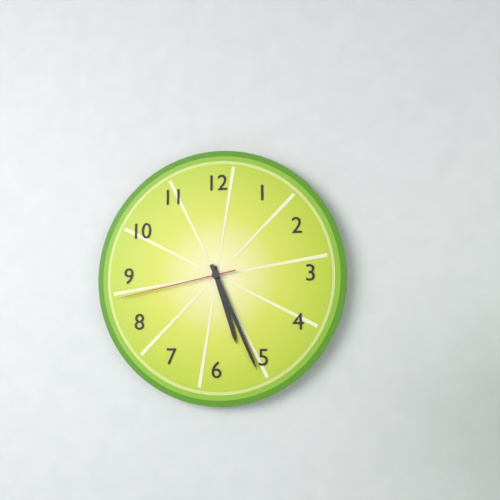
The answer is 5:26:43
